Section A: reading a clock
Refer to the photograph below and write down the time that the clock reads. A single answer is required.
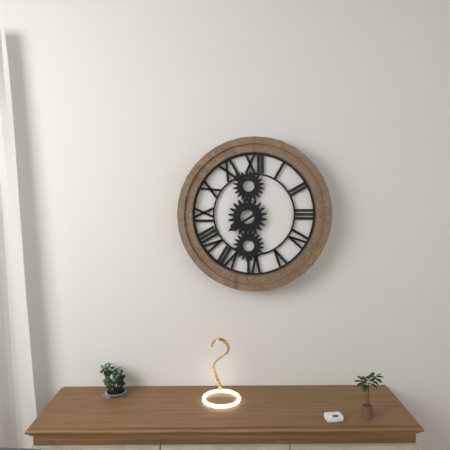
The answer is 7:56
